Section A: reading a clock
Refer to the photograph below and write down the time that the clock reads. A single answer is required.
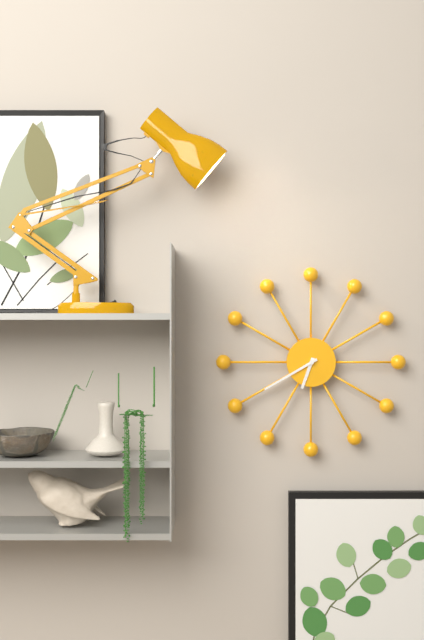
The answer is 6:40
